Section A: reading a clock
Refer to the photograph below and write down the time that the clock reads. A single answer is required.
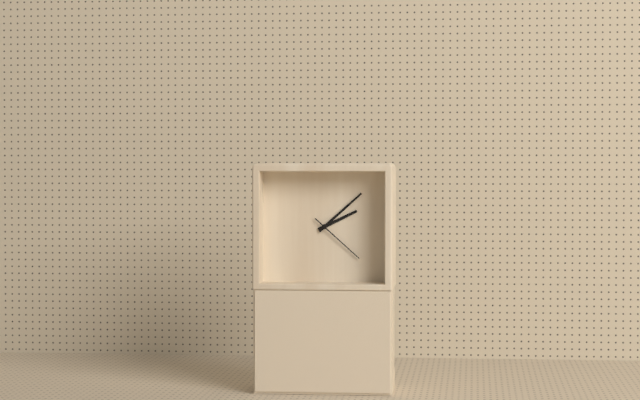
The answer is 2:08:22
